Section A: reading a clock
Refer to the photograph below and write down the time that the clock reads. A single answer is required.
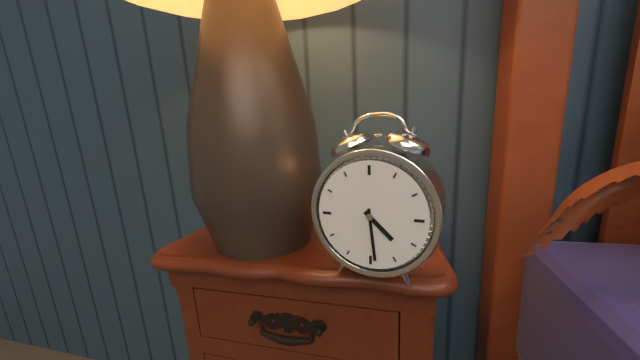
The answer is 4:29
